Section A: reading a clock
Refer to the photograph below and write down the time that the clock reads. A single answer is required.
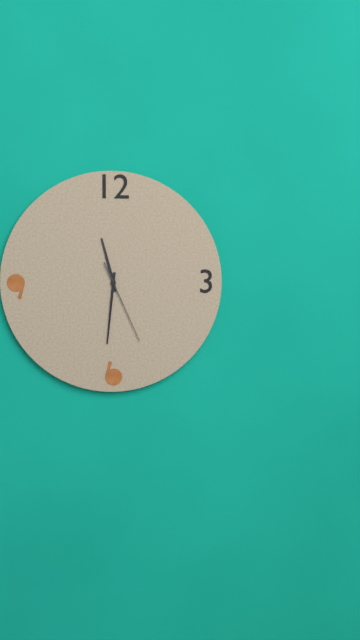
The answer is 11:31:26
